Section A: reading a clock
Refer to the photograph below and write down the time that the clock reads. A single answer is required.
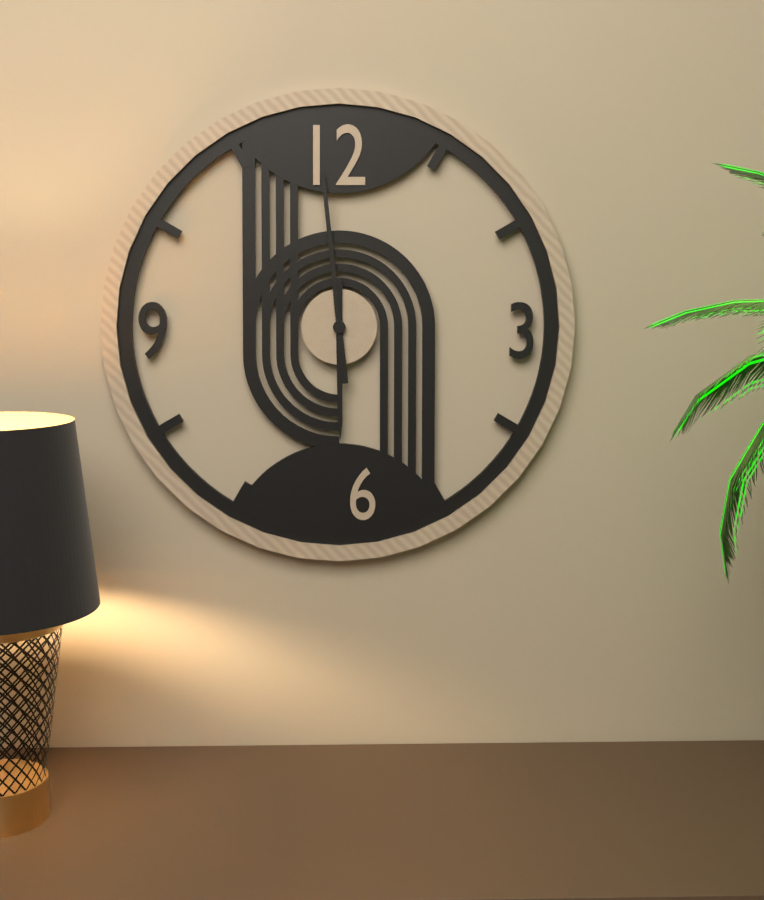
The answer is 5:59
